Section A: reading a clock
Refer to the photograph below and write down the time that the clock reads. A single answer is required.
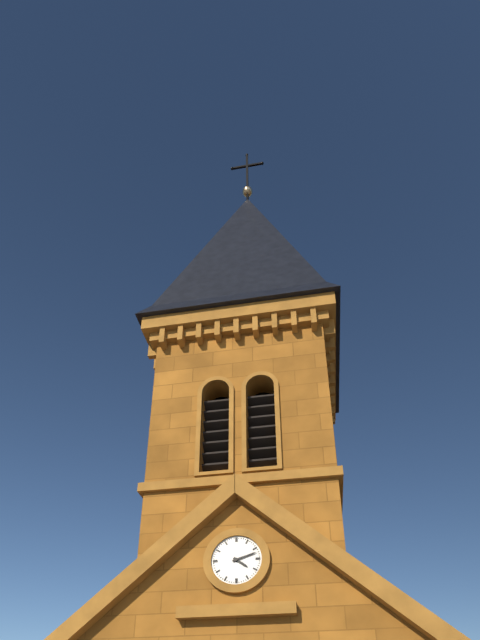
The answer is 4:12
